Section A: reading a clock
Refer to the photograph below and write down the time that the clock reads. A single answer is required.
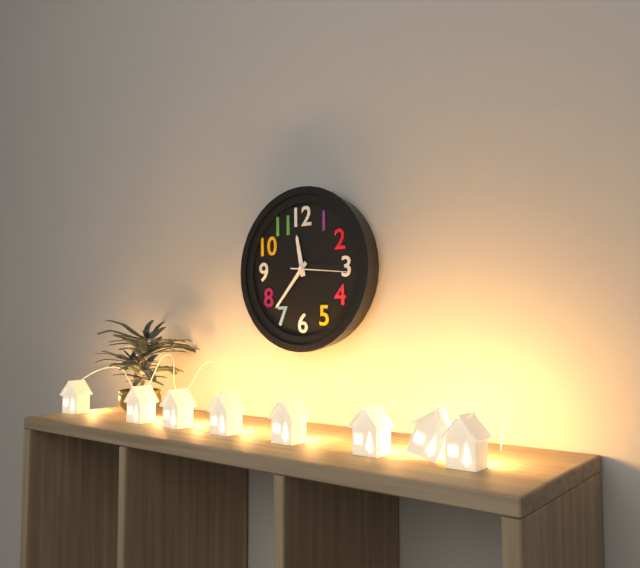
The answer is 11:37:16
